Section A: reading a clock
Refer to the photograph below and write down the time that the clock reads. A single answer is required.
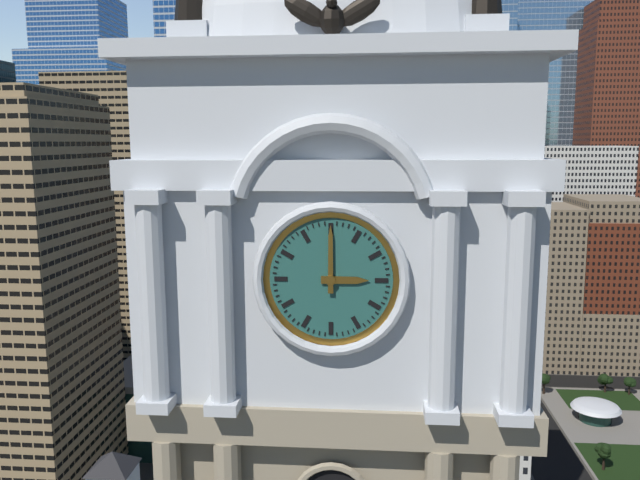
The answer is 3:00
